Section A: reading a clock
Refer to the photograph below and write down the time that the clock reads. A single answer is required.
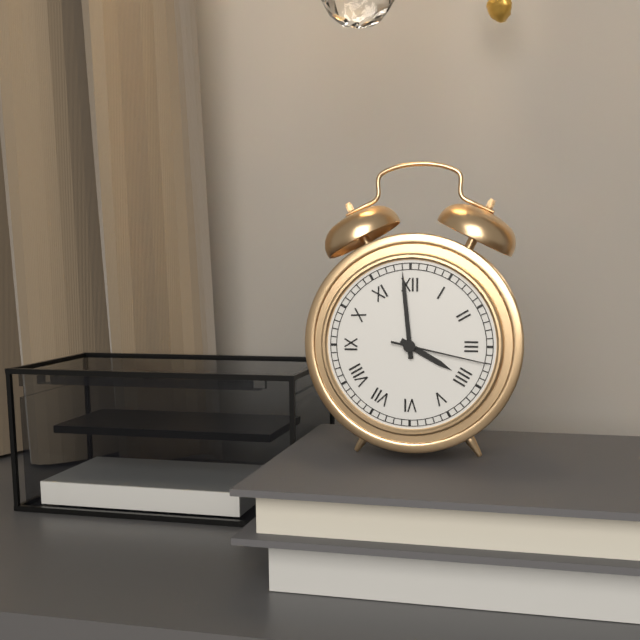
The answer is 3:59:17
